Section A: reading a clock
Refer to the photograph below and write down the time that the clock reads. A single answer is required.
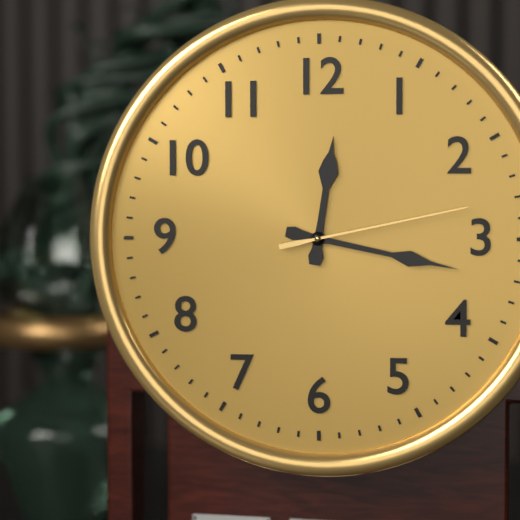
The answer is 12:17:13
